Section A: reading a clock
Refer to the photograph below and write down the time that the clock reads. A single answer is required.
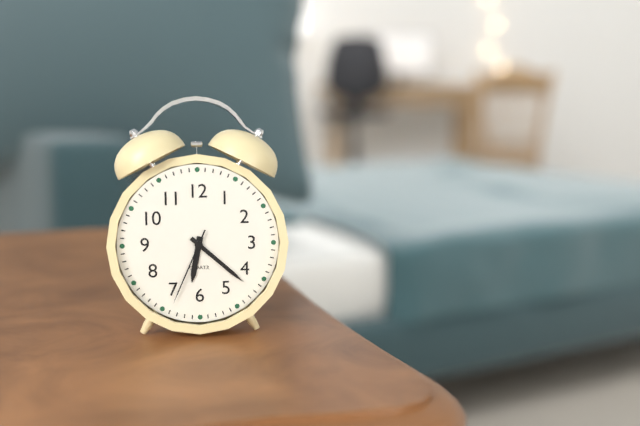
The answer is 6:22:34
